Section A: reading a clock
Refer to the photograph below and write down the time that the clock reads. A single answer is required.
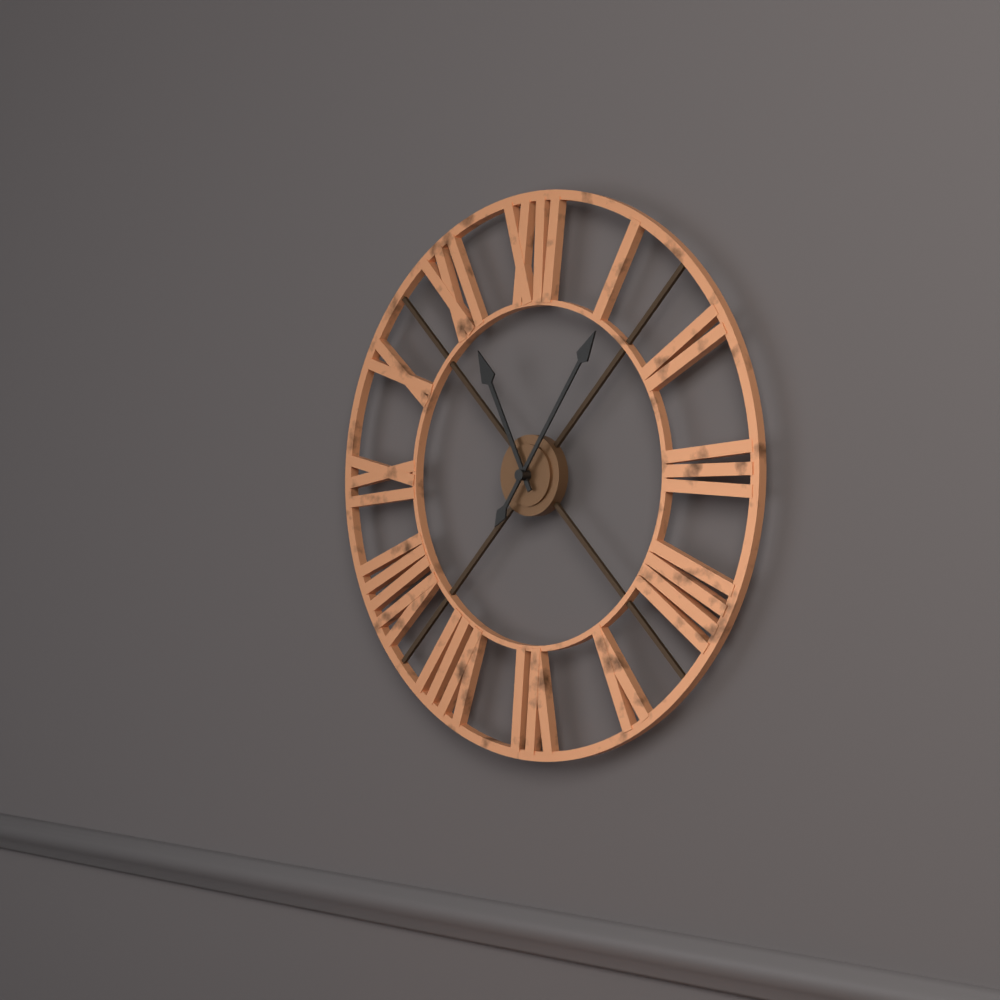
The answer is 11:06
